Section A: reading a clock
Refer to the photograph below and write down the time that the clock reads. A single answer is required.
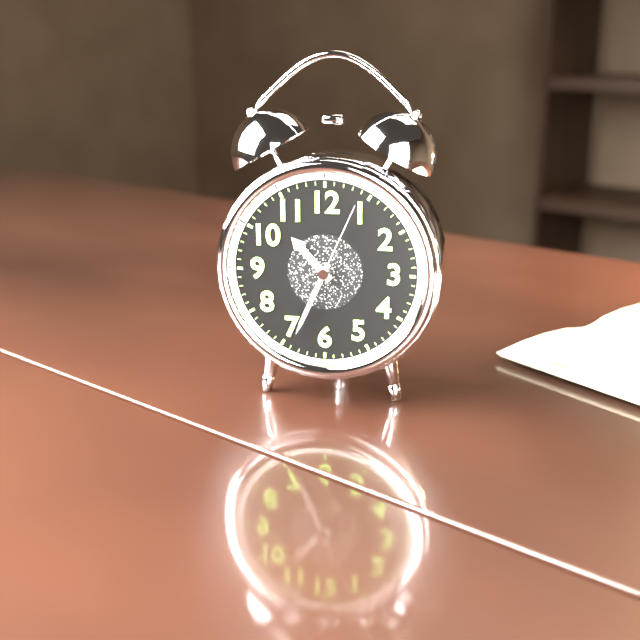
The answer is 10:34:04
